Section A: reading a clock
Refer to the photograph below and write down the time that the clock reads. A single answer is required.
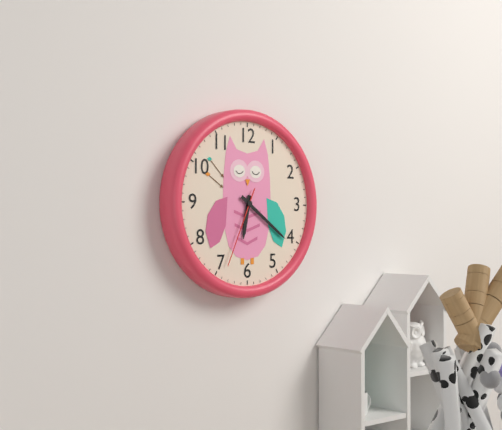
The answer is 6:21:34
